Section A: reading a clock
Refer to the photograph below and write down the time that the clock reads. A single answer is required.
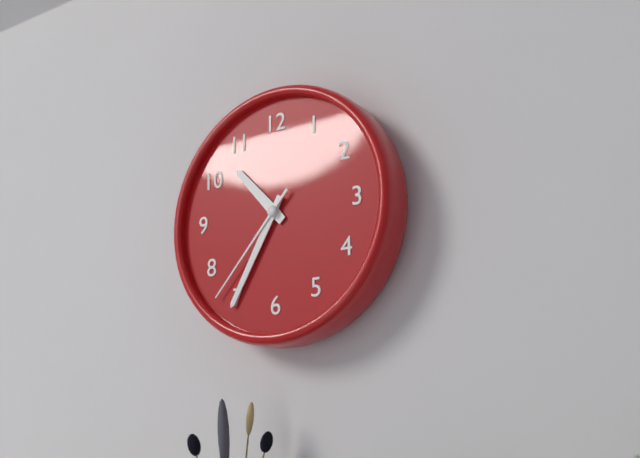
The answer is 10:35:37
